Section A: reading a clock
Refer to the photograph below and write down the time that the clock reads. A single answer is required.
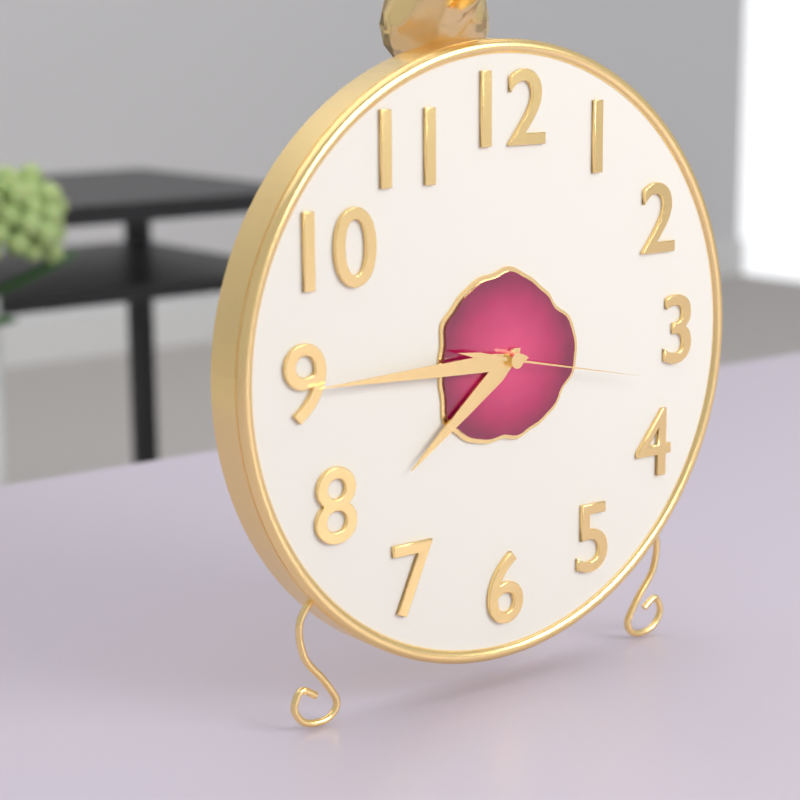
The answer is 7:45:17
